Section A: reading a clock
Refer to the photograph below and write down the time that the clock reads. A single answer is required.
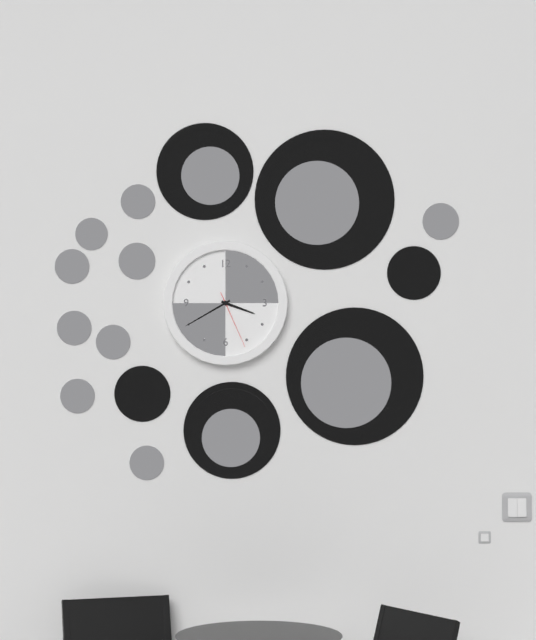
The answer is 3:40:26
